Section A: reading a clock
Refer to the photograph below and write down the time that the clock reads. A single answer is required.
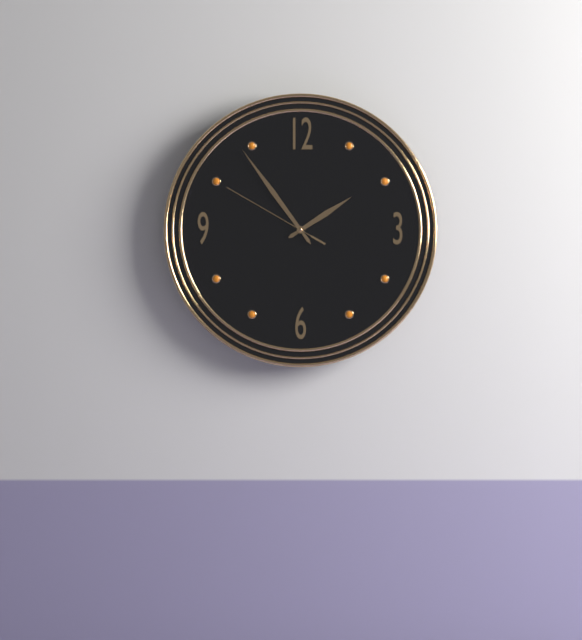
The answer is 1:54:50
